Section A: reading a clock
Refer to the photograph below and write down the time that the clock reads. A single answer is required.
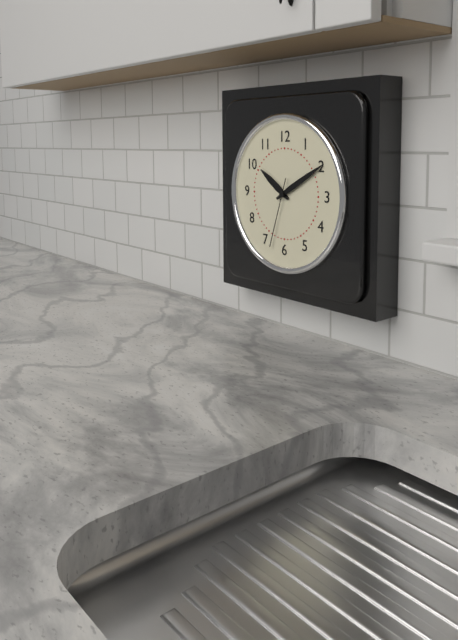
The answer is 10:10:33
